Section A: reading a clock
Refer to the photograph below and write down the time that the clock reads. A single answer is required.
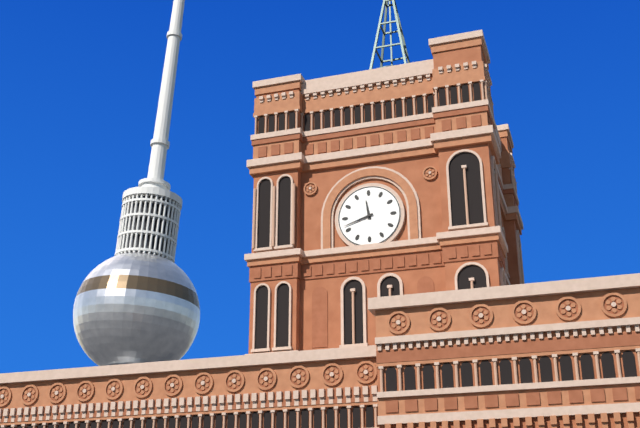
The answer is 11:42
